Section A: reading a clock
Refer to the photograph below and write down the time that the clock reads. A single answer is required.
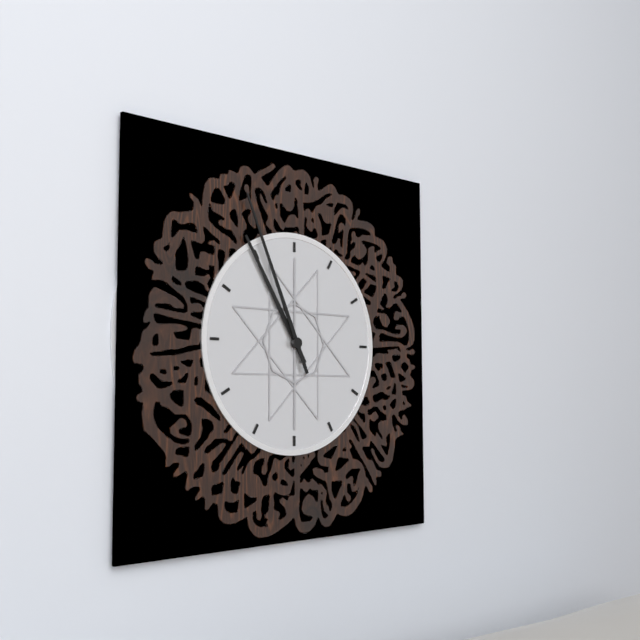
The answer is 10:56
